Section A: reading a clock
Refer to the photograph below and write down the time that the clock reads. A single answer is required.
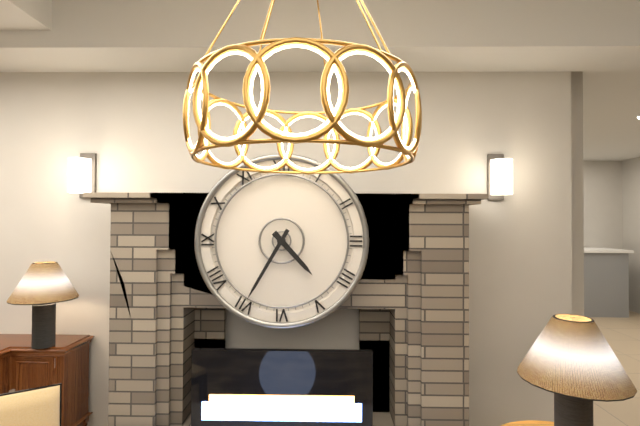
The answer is 4:35
